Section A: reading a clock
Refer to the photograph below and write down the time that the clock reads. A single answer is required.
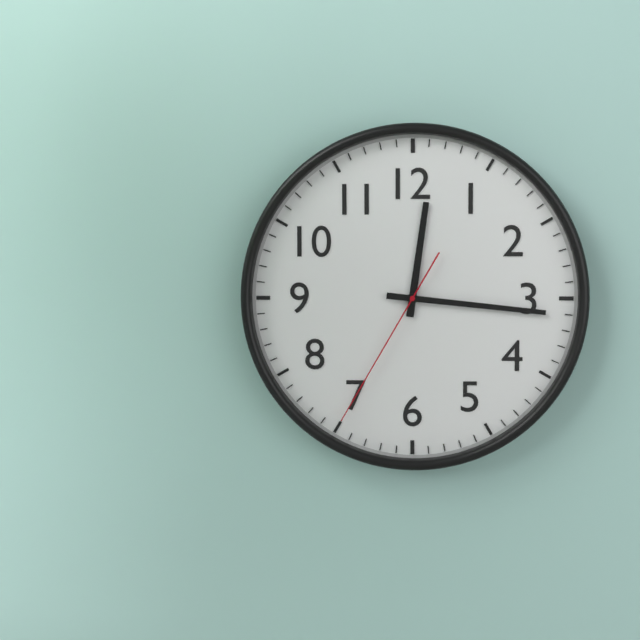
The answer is 12:16:35
